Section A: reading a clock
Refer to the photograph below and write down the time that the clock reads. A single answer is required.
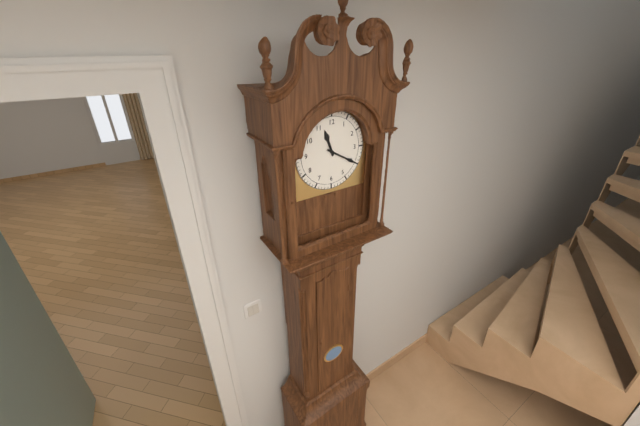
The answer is 11:20
